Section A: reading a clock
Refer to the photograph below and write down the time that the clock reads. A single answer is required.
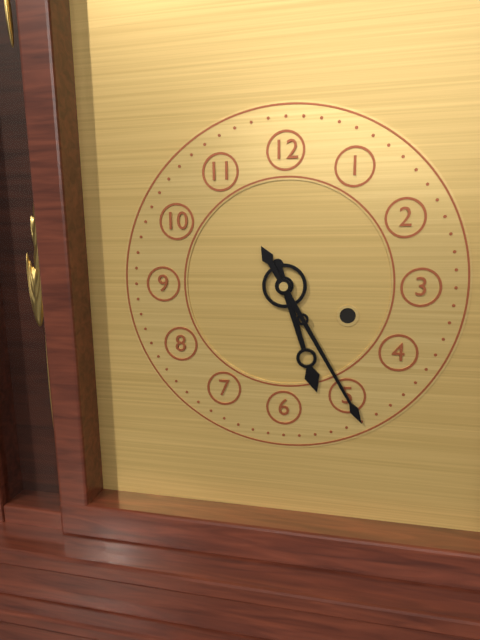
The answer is 5:25
